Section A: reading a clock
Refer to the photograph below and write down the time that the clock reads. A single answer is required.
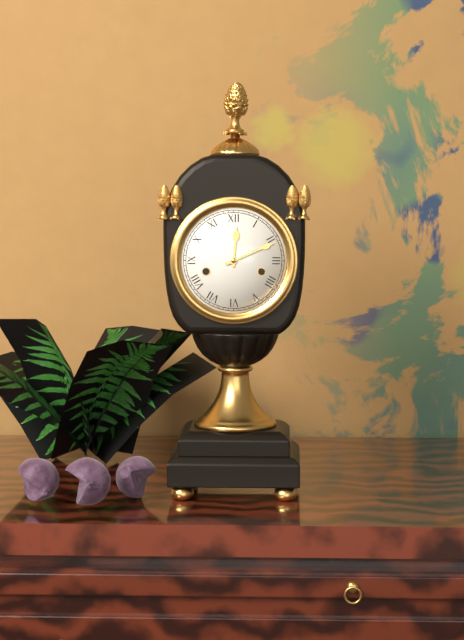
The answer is 12:11
